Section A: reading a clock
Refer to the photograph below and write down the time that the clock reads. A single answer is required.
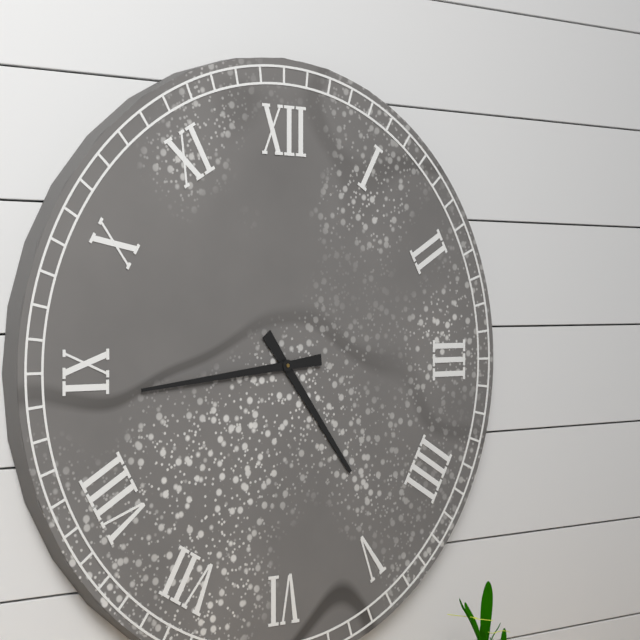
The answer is 4:44
